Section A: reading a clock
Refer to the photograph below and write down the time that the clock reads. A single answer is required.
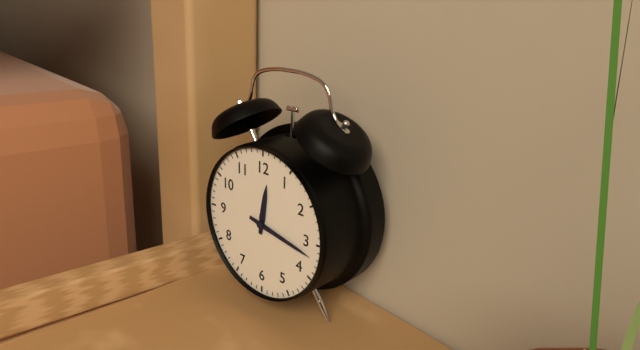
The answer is 12:17
